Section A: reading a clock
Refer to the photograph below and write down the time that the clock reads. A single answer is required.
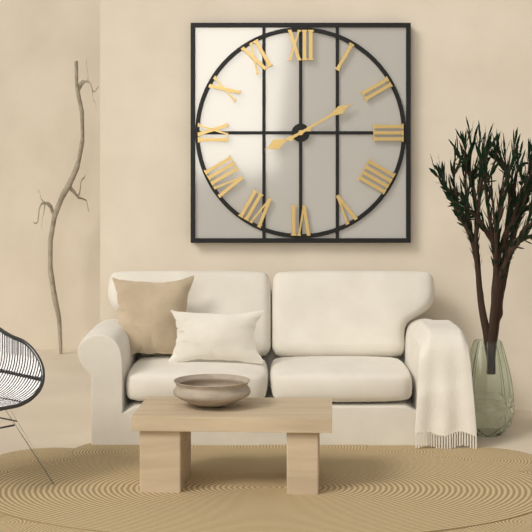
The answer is 8:10
